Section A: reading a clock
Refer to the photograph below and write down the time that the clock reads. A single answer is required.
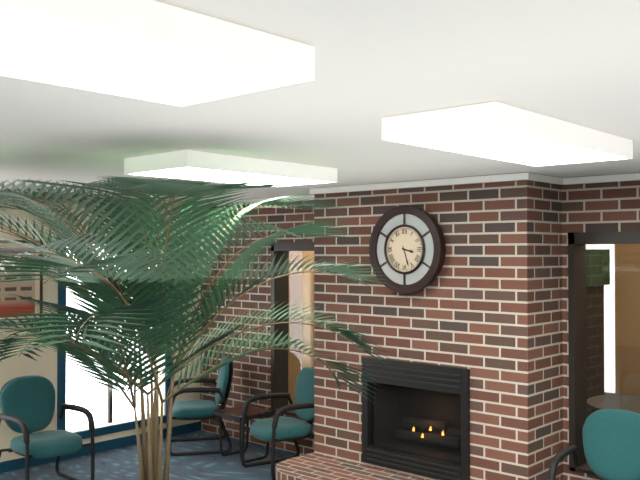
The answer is 3:27
